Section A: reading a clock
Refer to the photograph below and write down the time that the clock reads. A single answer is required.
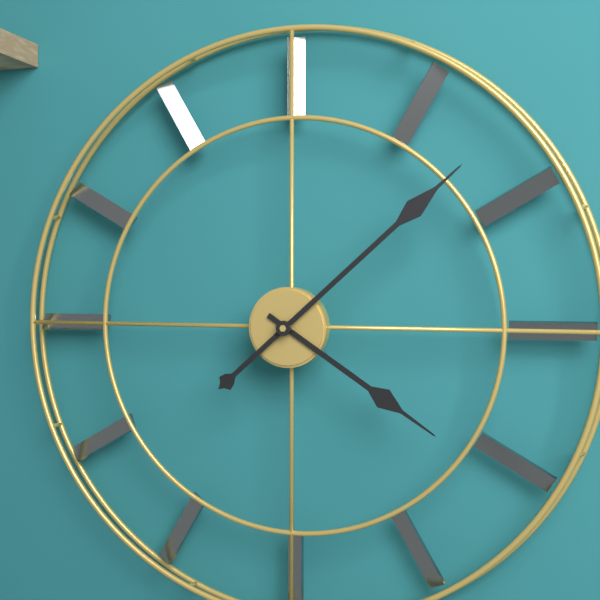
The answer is 4:08
